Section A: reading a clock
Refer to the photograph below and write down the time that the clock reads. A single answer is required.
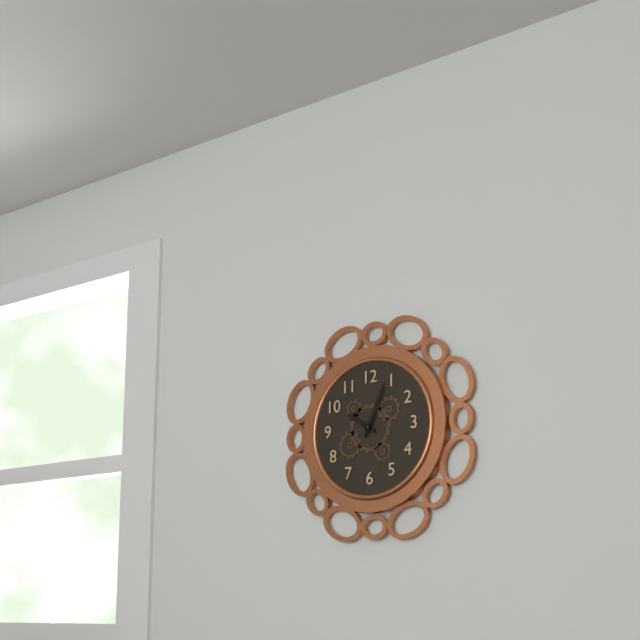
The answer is 10:04
